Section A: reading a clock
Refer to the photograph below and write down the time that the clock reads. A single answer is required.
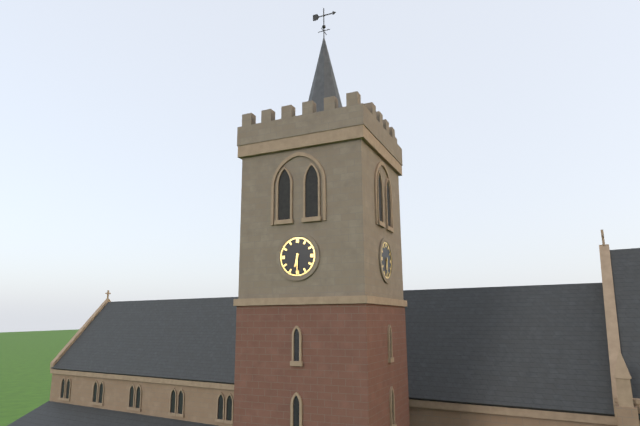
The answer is 6:30
